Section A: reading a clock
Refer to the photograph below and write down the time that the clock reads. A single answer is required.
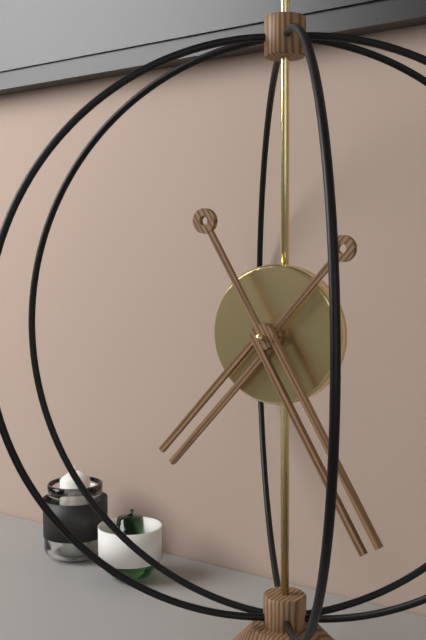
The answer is 7:25
